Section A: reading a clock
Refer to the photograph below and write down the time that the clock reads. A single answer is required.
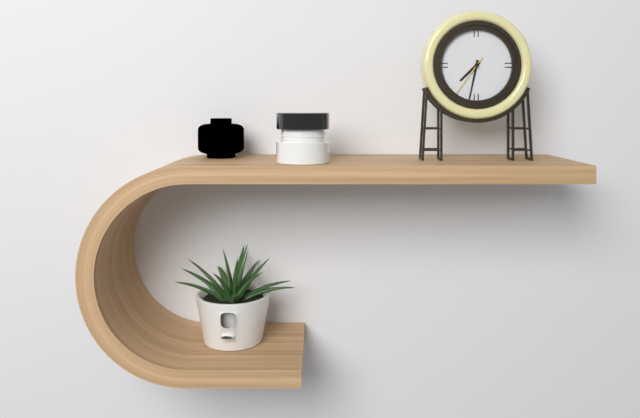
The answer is 7:32
